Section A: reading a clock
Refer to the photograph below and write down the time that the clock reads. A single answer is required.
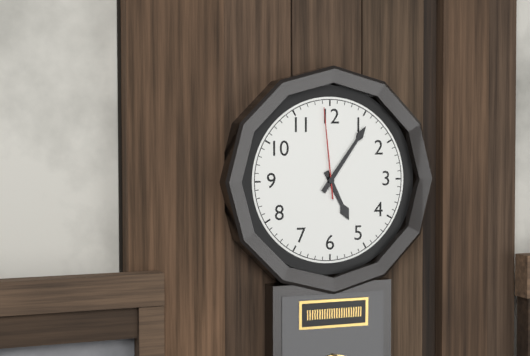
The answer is 5:06:59
